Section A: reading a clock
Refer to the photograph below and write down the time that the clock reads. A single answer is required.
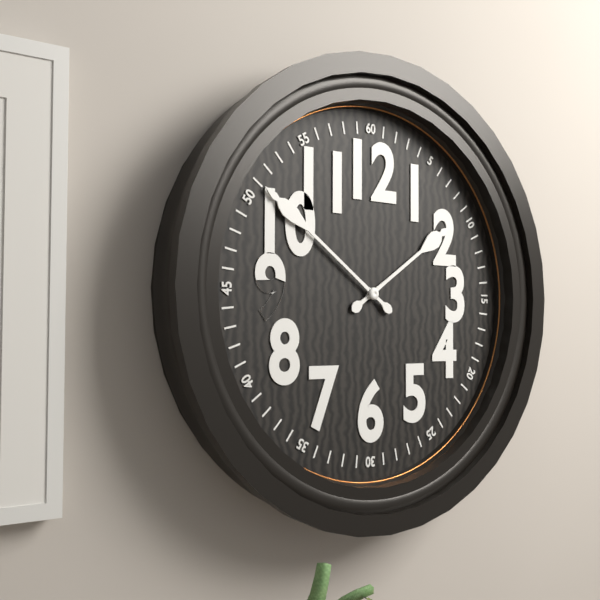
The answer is 1:51
